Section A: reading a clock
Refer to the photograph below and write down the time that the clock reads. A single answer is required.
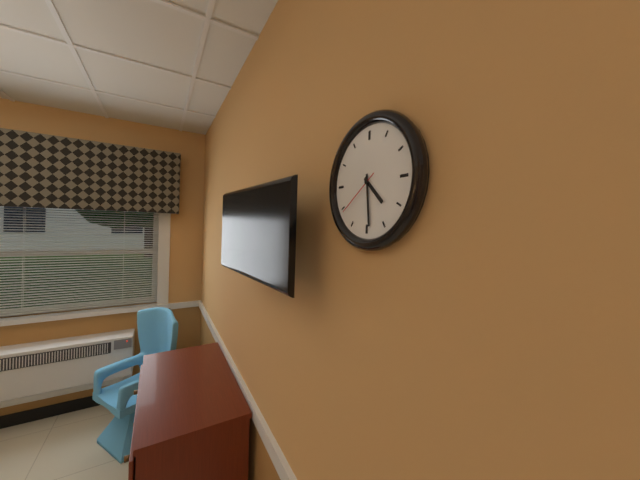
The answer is 4:29:39
